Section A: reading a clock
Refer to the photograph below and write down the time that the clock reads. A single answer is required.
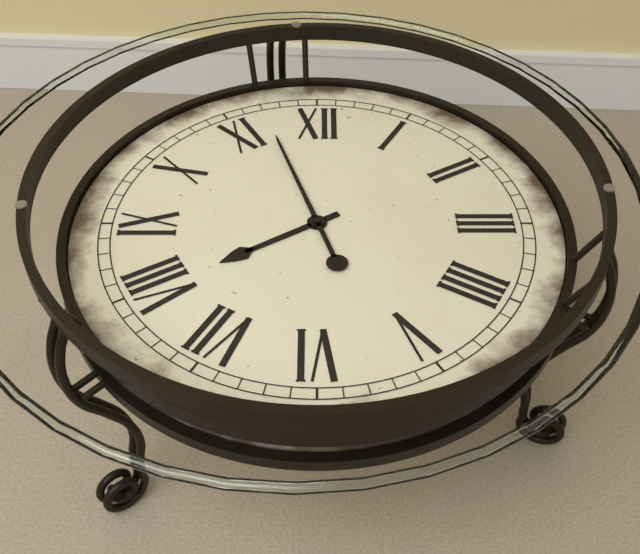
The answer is 7:57
